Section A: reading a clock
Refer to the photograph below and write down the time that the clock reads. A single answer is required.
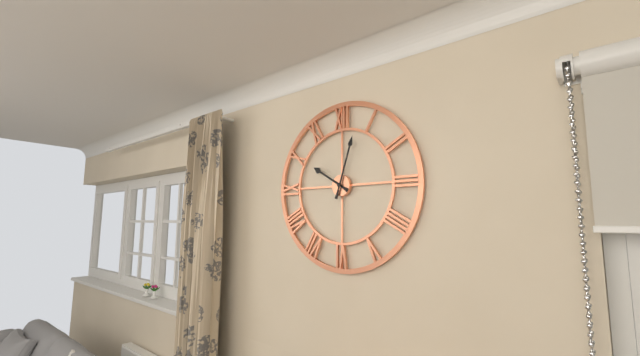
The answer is 10:03
